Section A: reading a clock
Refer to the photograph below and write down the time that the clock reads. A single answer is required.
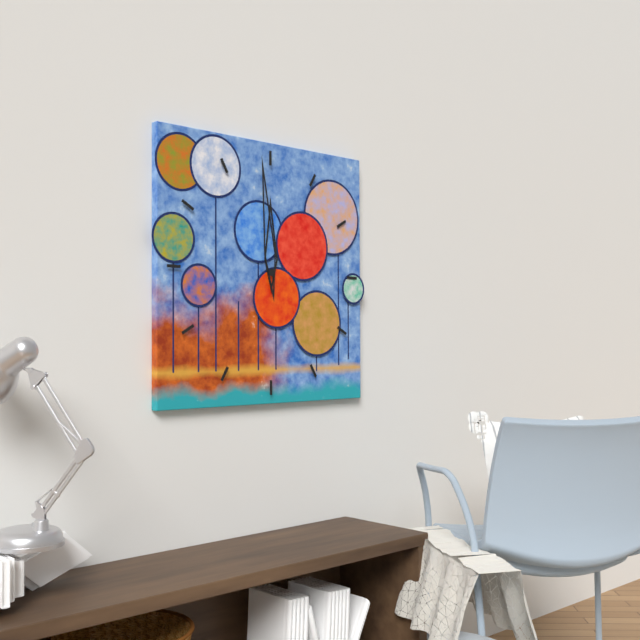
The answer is 11:59
